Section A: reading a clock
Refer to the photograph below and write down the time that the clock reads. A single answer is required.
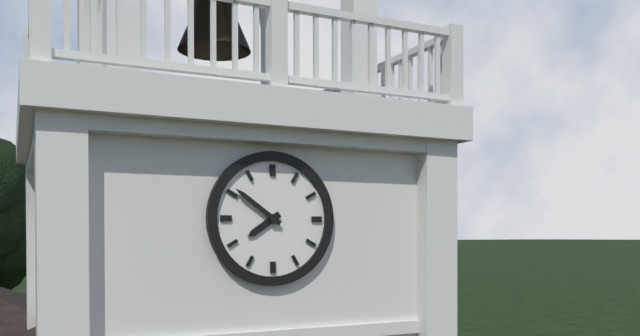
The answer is 7:51
